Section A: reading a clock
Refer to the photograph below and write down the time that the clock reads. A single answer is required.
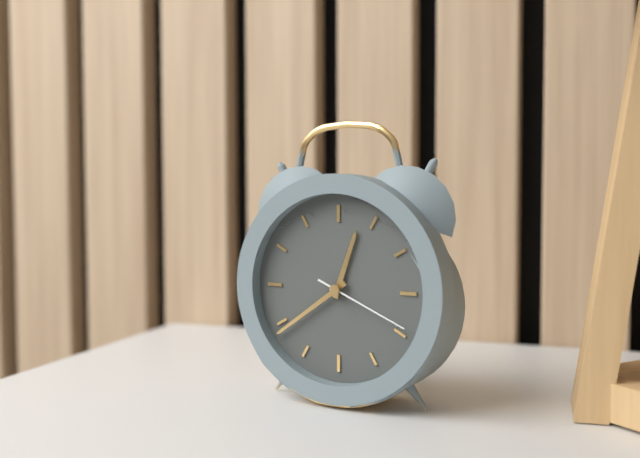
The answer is 12:39:19
